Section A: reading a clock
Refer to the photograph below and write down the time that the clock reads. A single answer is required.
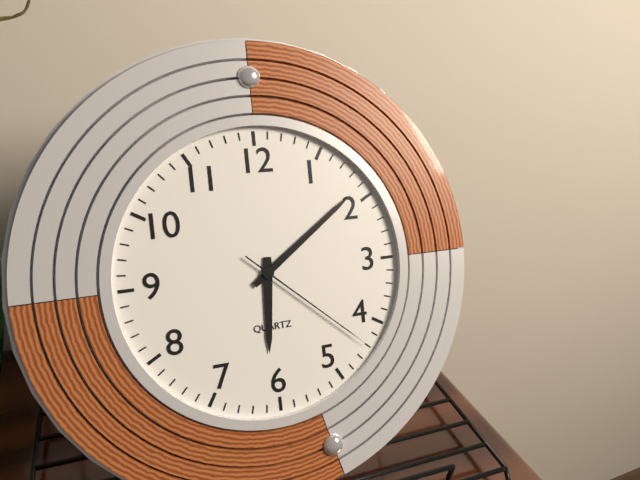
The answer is 6:09:22
